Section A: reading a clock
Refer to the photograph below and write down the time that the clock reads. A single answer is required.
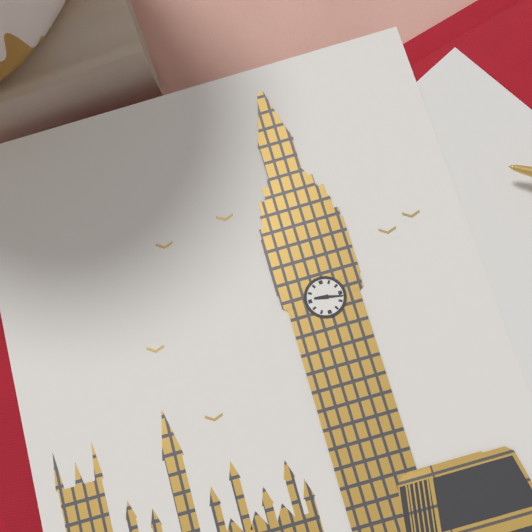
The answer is 9:17
